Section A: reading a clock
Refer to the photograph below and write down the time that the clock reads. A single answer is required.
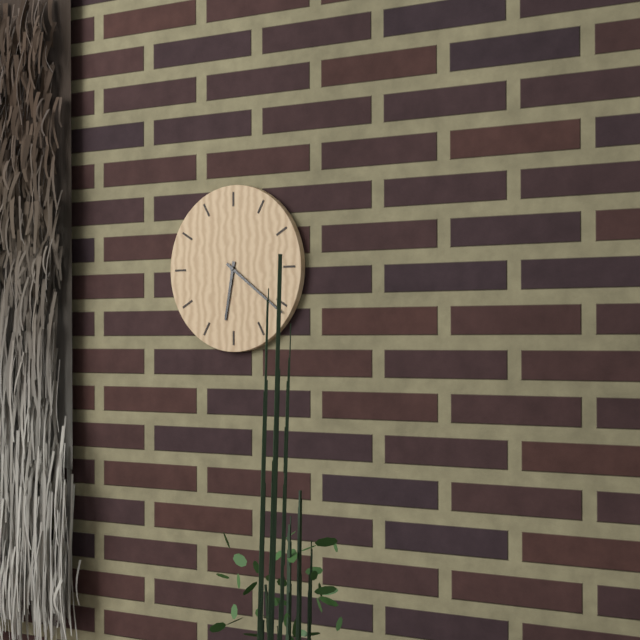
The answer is 6:21
